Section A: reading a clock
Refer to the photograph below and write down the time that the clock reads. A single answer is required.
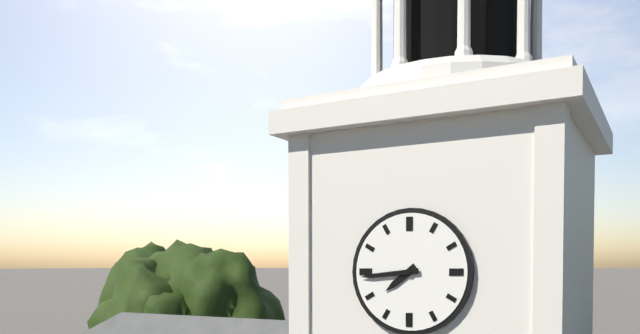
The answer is 7:44
